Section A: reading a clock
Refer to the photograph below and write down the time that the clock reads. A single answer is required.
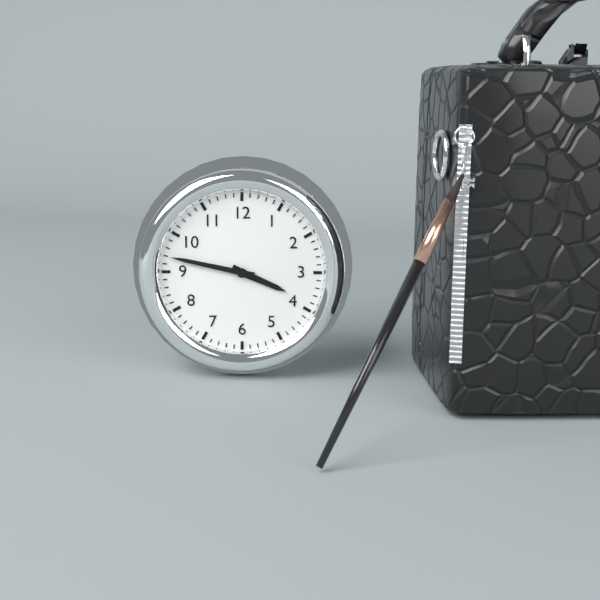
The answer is 3:47
